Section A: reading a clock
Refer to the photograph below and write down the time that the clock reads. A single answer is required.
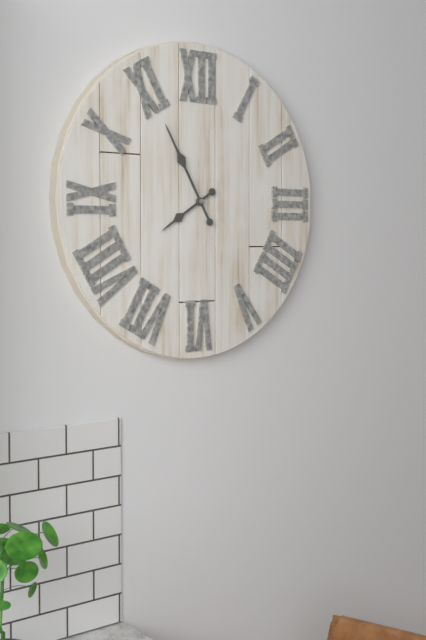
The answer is 7:55
